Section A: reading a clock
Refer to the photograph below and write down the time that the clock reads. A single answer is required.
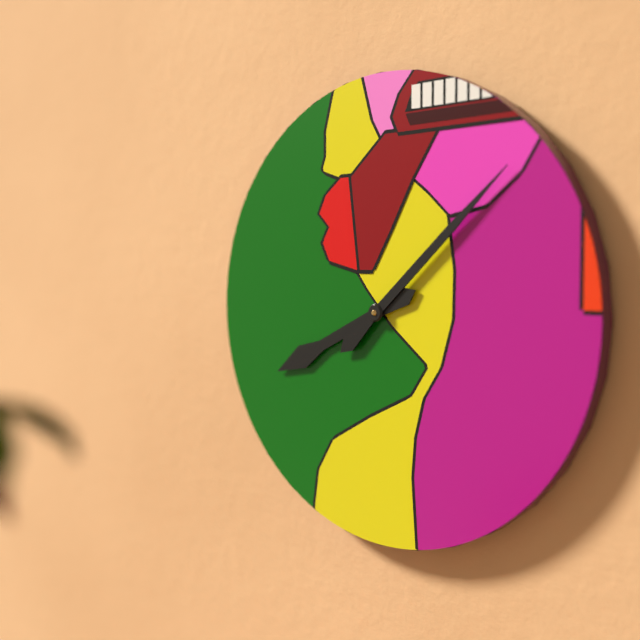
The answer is 8:08
